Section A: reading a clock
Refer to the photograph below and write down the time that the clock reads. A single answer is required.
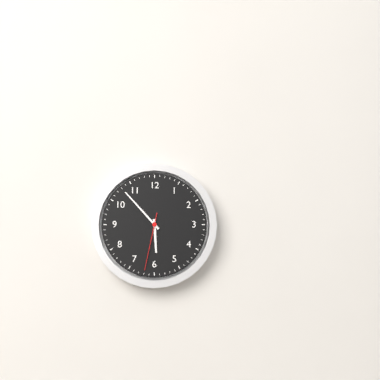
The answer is 5:53:32
